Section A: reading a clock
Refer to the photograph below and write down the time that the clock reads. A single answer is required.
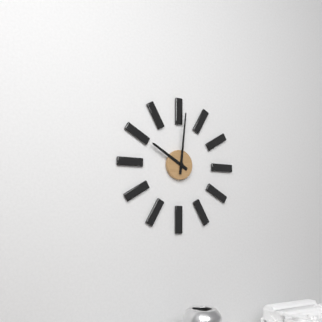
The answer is 10:01
